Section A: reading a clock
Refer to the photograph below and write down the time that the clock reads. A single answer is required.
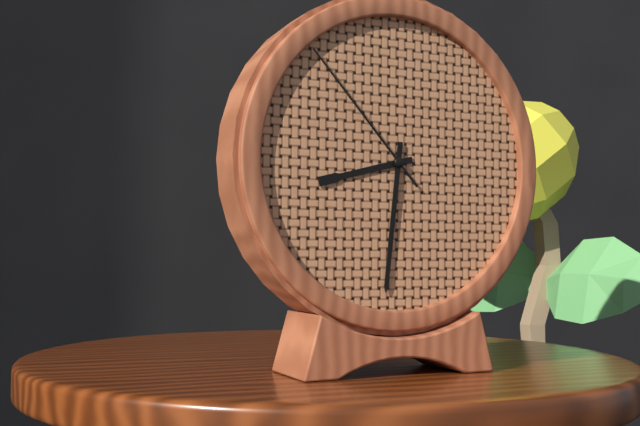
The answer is 8:31:53
